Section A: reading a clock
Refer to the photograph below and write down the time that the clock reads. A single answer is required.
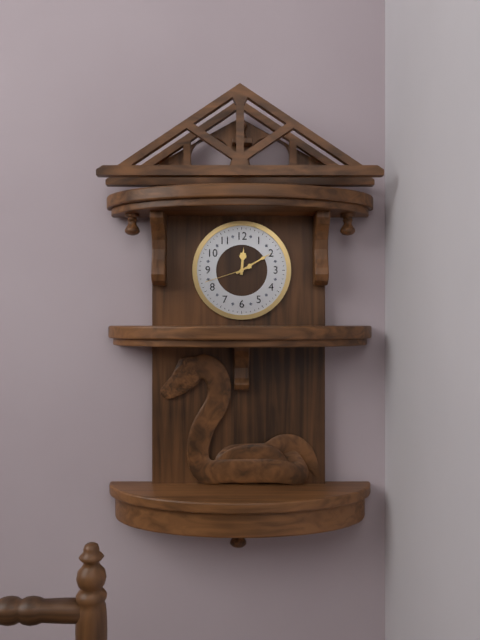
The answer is 12:10
